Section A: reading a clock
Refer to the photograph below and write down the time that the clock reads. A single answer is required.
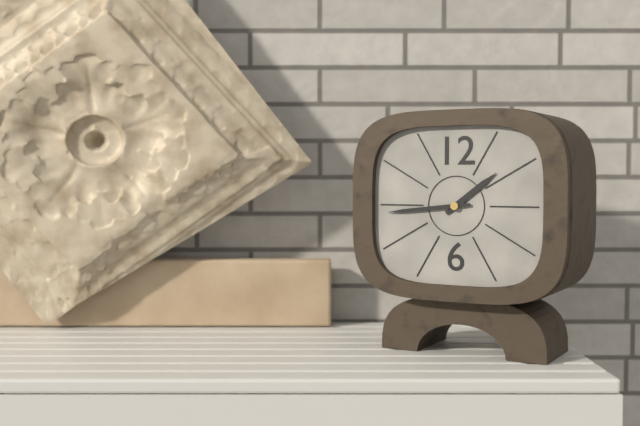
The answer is 1:44
